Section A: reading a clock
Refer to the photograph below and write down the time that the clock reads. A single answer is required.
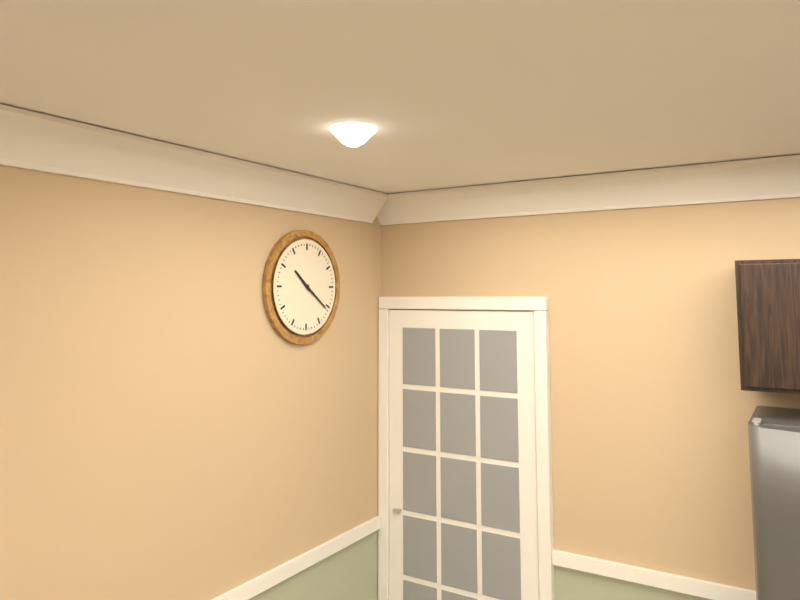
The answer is 10:21
